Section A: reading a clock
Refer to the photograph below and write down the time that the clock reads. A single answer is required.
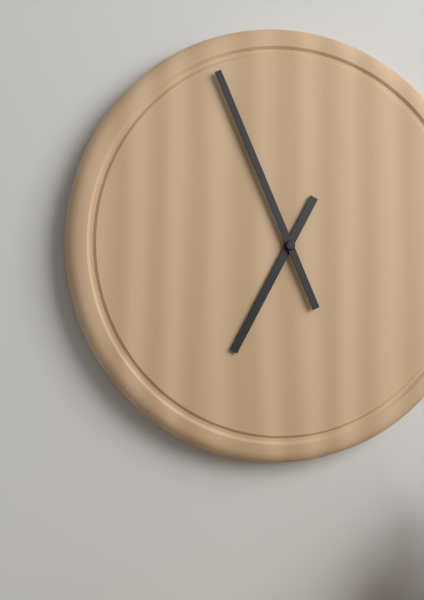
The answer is 6:56
